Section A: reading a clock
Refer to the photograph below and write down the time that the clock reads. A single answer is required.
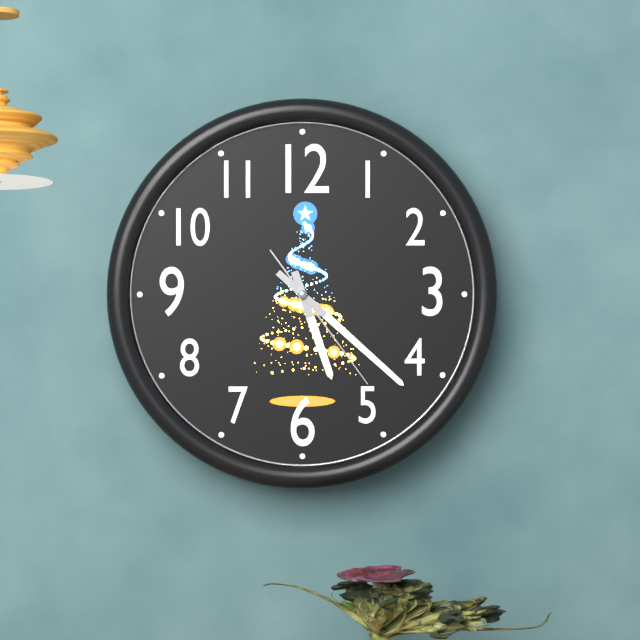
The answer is 5:22:24
